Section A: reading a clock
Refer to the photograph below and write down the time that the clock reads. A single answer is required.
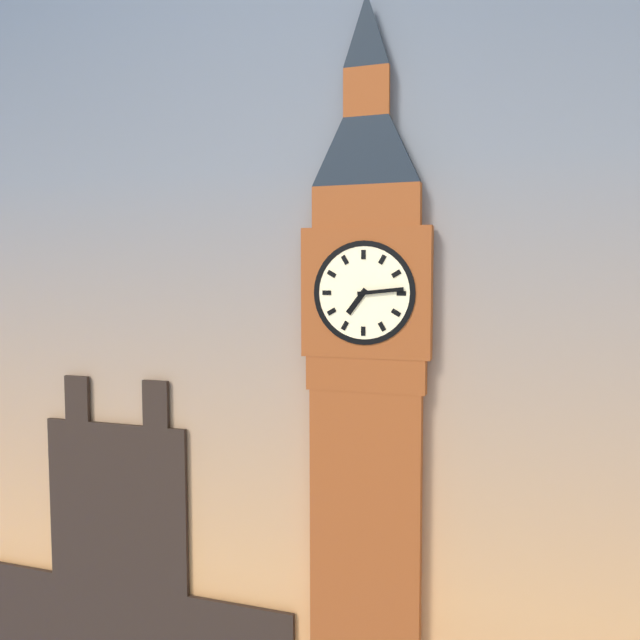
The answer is 7:14
